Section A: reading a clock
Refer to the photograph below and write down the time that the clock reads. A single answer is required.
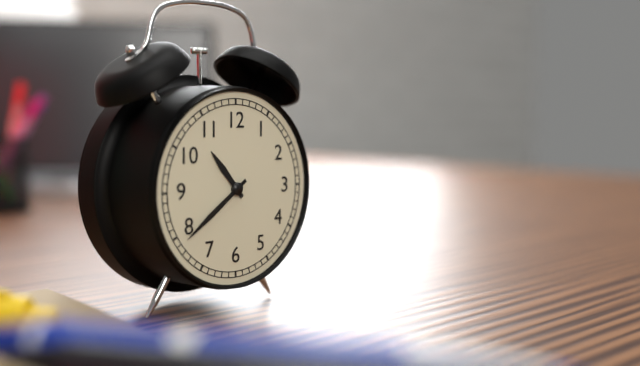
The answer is 10:39
